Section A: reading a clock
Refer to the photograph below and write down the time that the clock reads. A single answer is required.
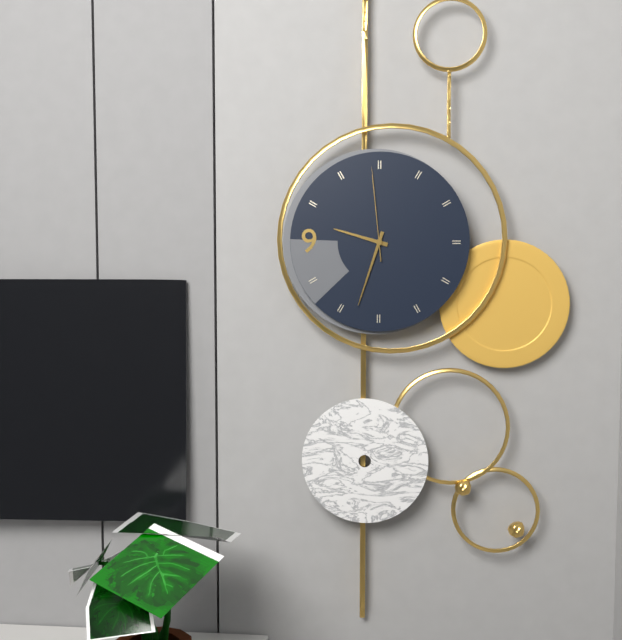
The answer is 9:33:59
